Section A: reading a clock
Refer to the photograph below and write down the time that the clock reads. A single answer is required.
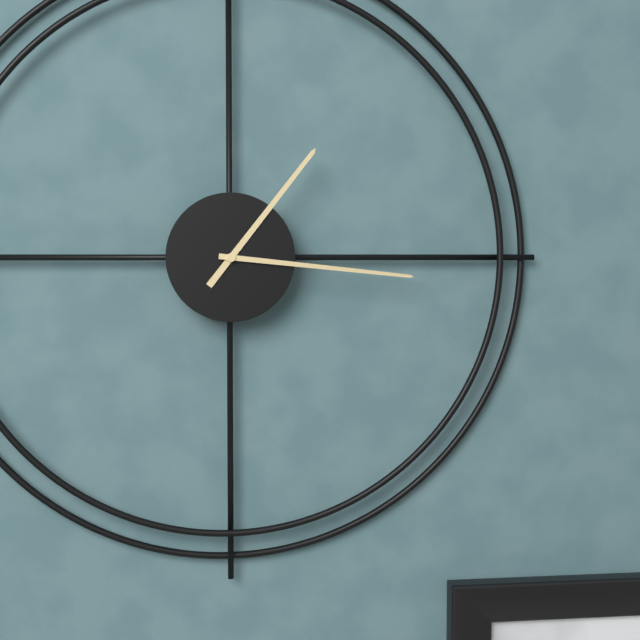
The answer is 1:16
